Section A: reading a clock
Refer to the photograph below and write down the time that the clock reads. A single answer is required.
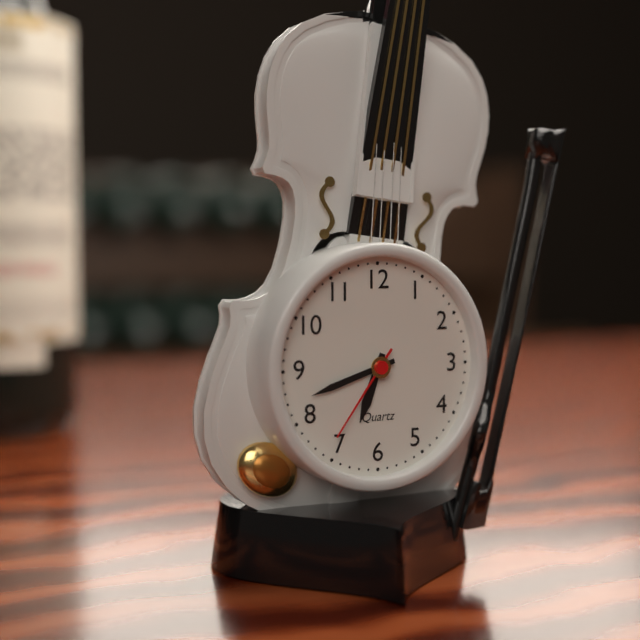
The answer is 6:42:36
